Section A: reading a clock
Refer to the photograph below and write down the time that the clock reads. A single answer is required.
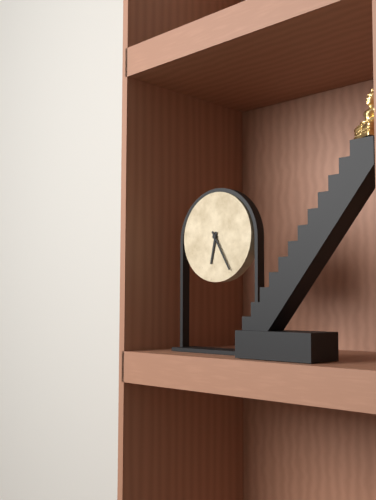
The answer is 6:25
